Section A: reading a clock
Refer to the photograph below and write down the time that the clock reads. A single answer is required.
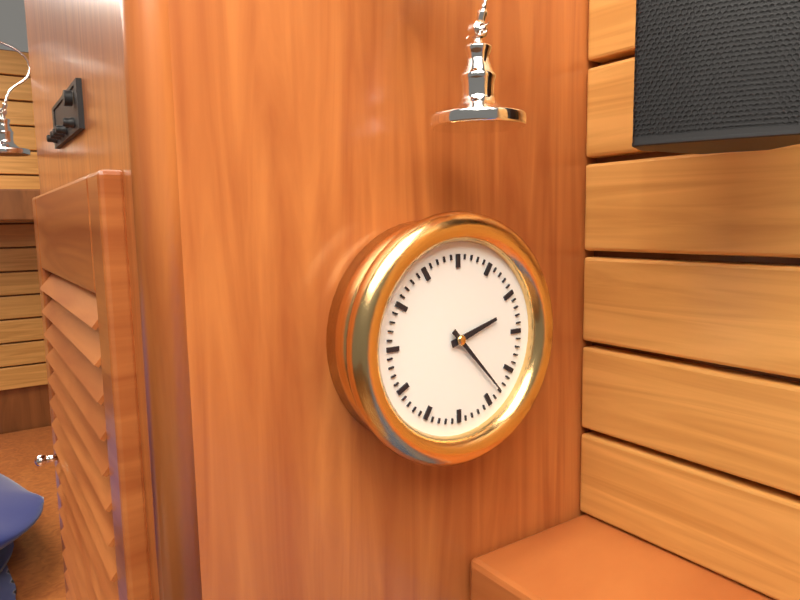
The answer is 2:23
